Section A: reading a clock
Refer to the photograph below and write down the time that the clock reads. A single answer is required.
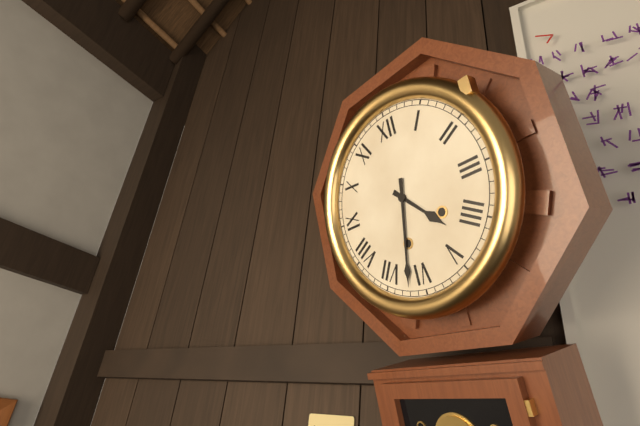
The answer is 4:32
